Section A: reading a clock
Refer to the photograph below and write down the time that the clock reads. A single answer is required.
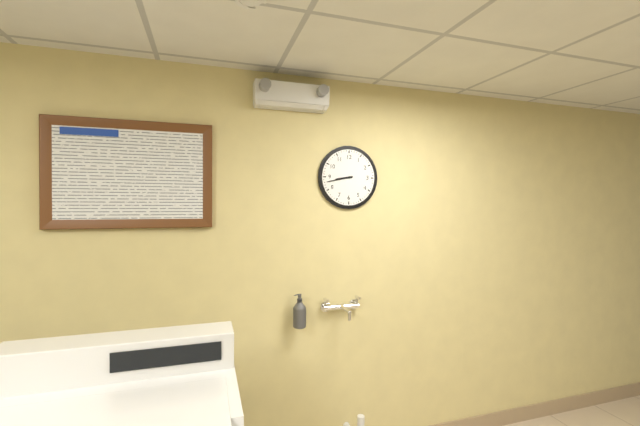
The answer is 8:43
